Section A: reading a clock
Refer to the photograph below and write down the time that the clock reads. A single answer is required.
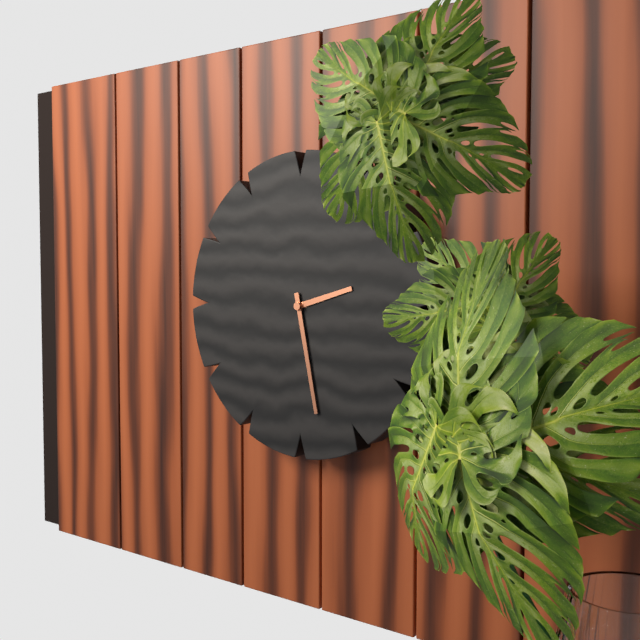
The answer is 2:28
